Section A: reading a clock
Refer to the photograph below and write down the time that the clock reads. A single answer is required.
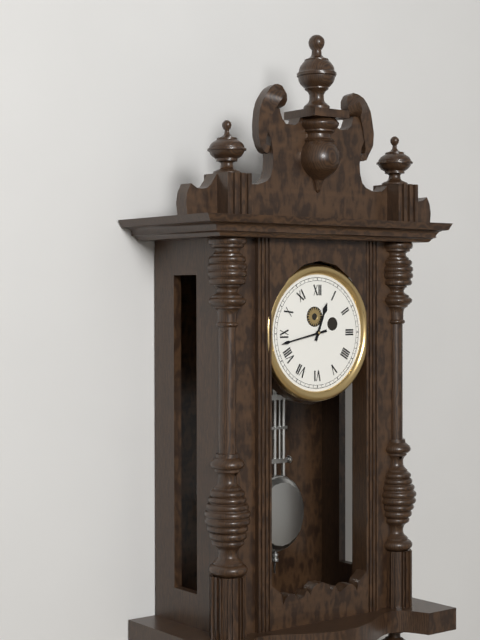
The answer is 12:43
